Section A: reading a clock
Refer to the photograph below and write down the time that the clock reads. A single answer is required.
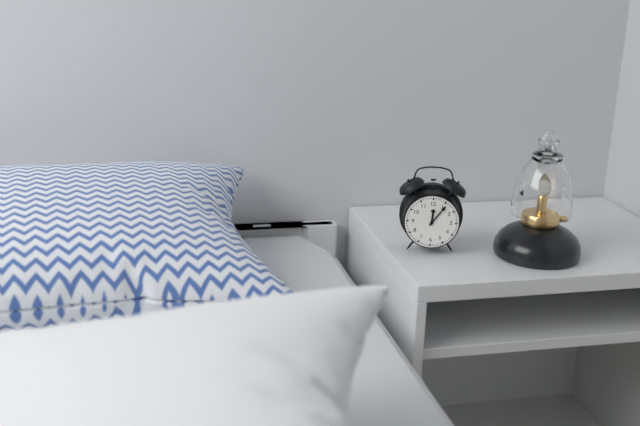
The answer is 12:06
